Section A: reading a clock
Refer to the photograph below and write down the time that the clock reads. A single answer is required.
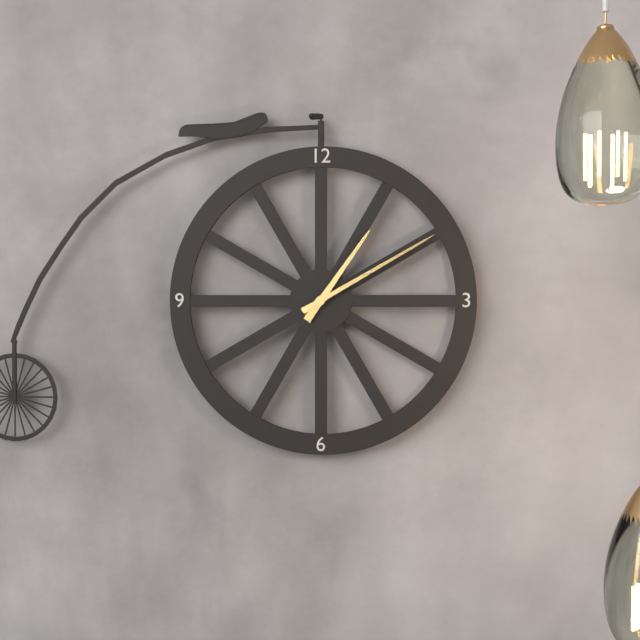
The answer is 1:10
